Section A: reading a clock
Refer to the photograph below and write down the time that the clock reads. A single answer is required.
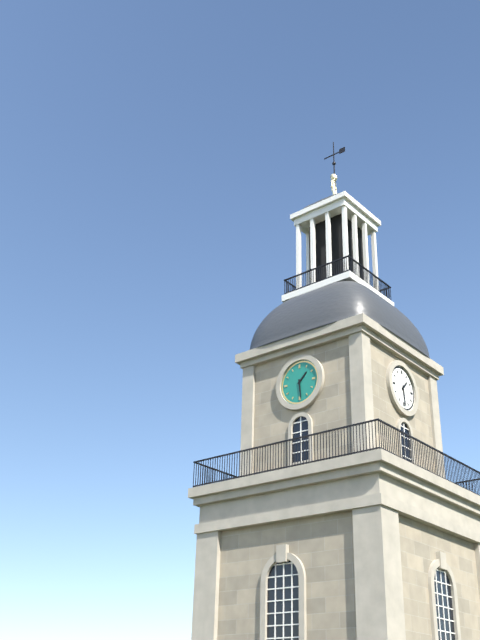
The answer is 1:29
